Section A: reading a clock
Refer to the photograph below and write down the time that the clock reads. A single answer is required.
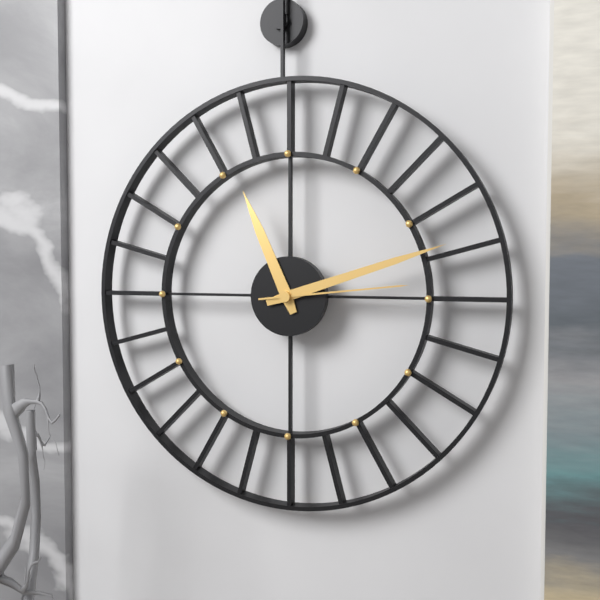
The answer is 11:12:14
